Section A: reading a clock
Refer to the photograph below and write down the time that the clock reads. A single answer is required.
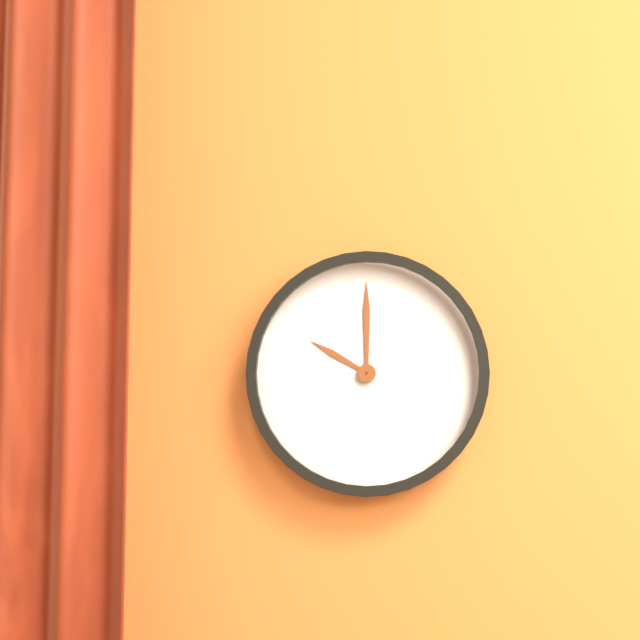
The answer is 10:00
